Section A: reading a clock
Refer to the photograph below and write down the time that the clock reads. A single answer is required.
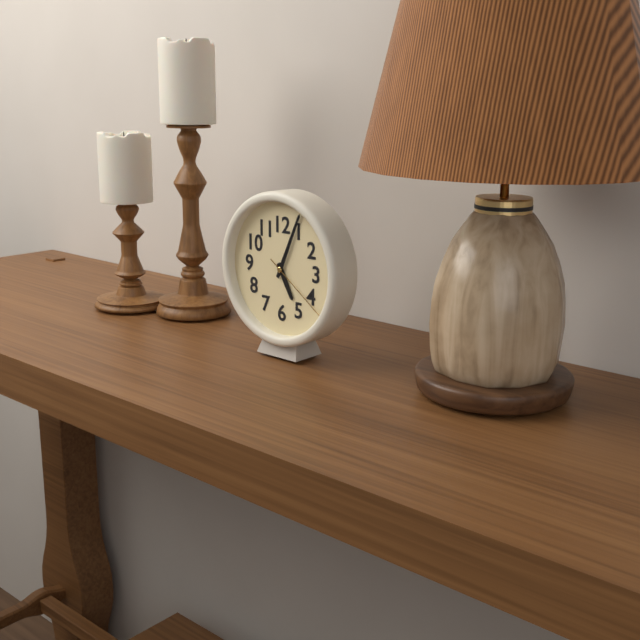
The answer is 5:04:21
